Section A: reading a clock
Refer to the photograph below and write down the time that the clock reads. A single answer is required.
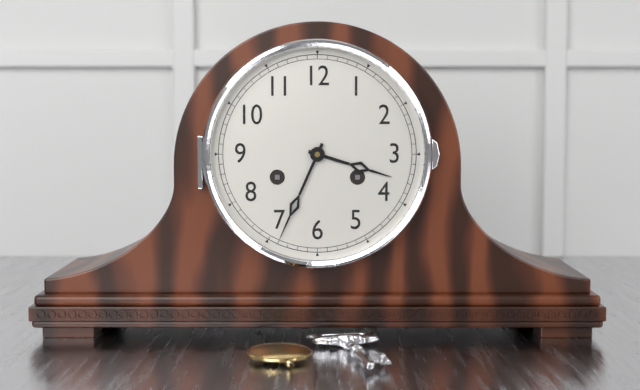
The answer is 3:34
